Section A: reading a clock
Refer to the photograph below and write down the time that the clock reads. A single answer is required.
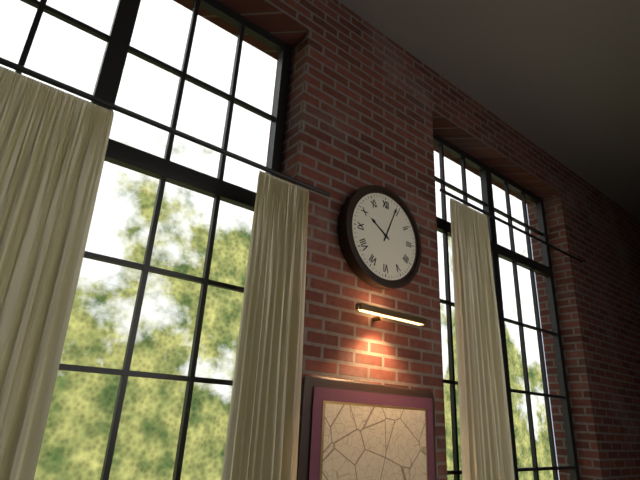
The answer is 10:04
